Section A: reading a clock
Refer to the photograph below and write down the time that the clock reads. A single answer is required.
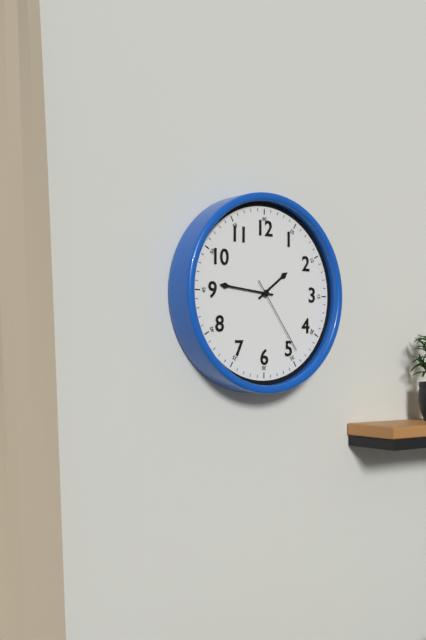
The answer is 1:46:24
